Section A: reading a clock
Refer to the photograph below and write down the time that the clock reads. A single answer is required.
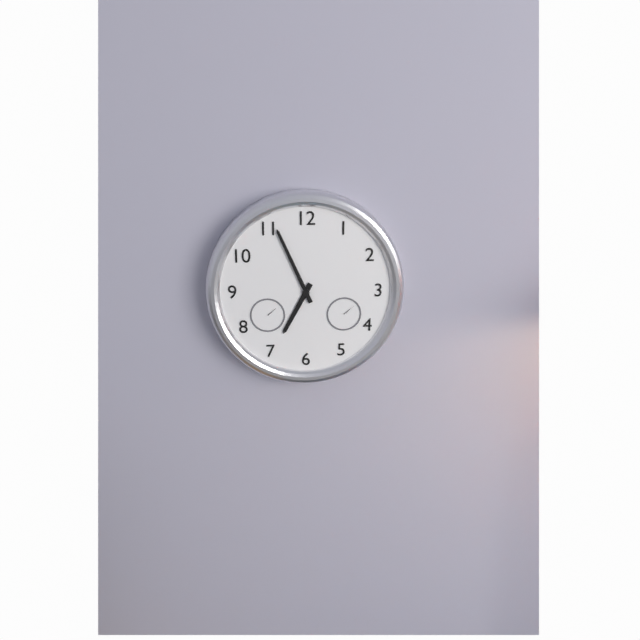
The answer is 6:56
